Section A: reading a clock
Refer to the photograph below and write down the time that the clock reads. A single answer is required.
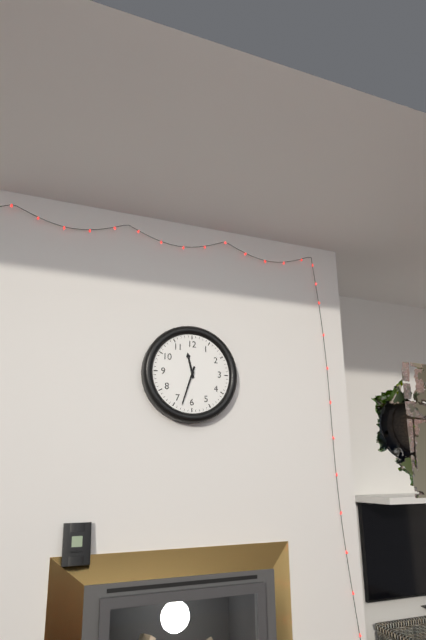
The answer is 11:33
